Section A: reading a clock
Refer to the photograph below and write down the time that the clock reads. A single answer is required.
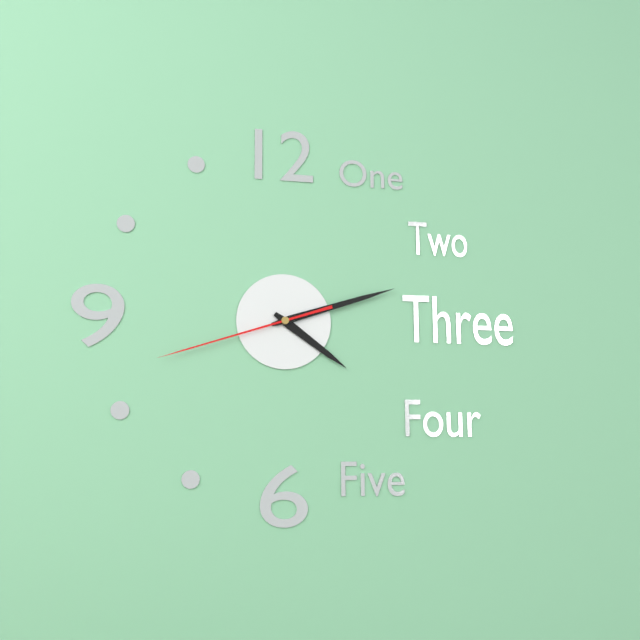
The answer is 4:12:42
